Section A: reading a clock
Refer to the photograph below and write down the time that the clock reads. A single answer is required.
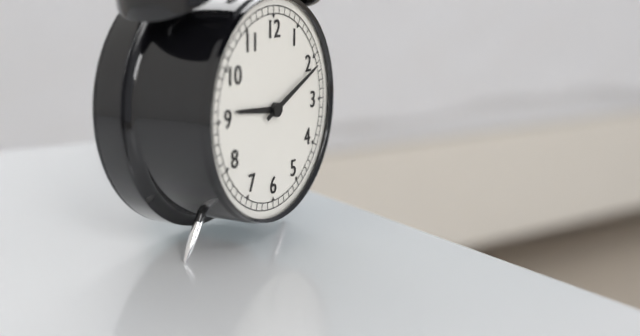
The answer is 9:11
